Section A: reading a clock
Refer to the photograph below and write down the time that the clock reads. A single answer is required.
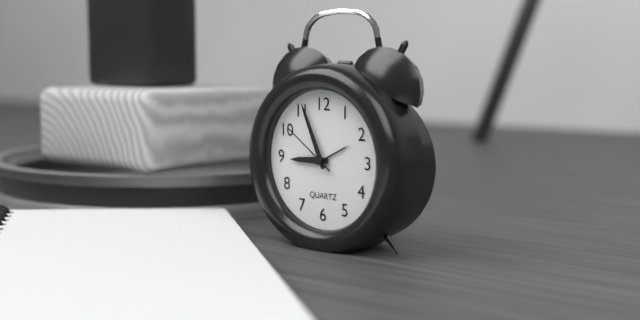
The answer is 8:56:51
